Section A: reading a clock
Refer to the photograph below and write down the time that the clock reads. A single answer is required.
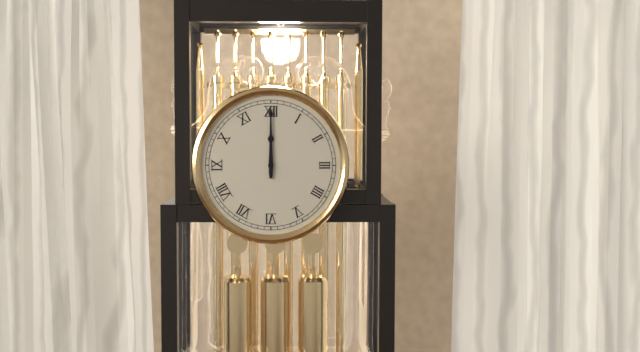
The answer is 12:00
